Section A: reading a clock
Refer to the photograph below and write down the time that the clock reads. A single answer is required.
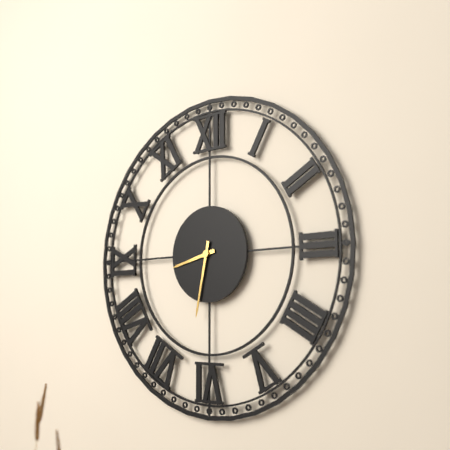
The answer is 8:32
